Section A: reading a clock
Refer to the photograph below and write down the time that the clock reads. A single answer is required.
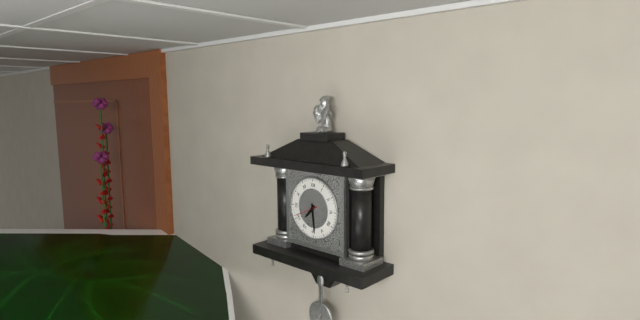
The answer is 7:29:41
